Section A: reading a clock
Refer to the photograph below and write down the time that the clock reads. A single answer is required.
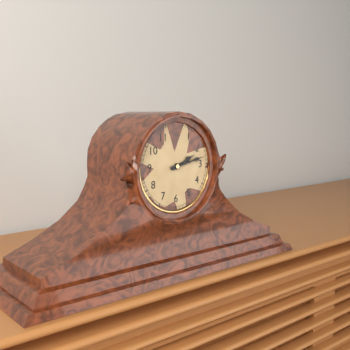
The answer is 2:13
